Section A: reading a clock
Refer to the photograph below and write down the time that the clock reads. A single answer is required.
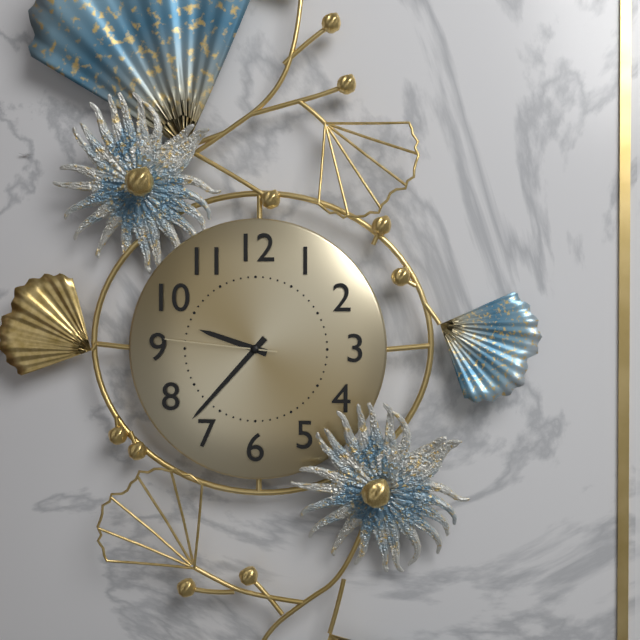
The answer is 9:37:46
